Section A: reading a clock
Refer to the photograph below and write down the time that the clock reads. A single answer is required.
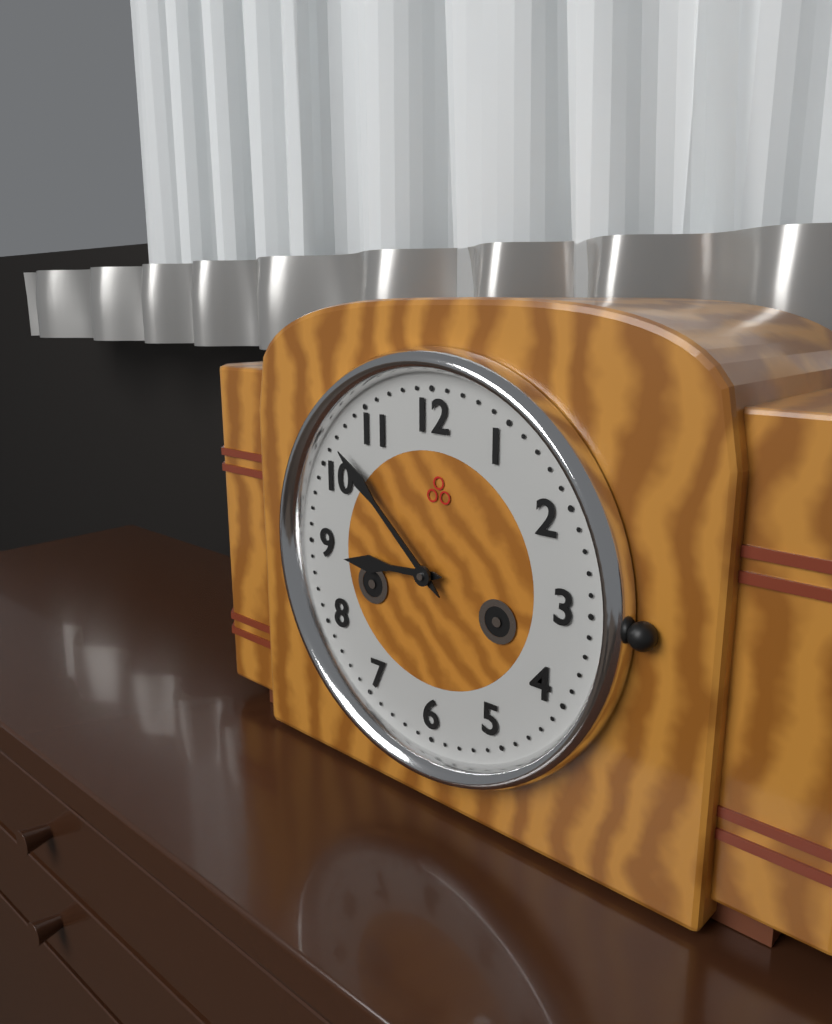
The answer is 8:52
